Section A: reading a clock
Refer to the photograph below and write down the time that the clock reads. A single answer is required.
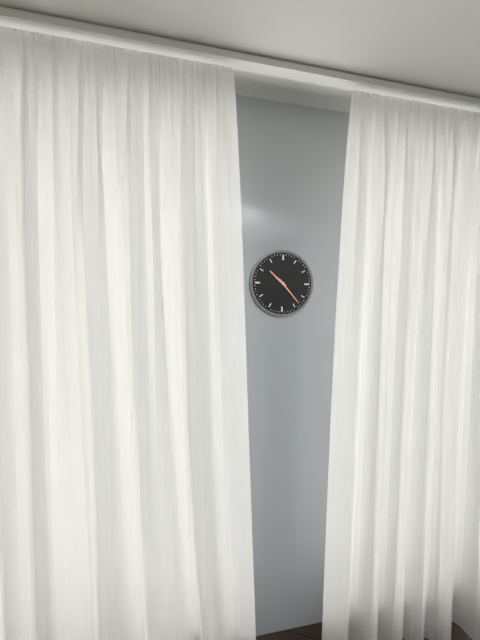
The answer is 10:23
